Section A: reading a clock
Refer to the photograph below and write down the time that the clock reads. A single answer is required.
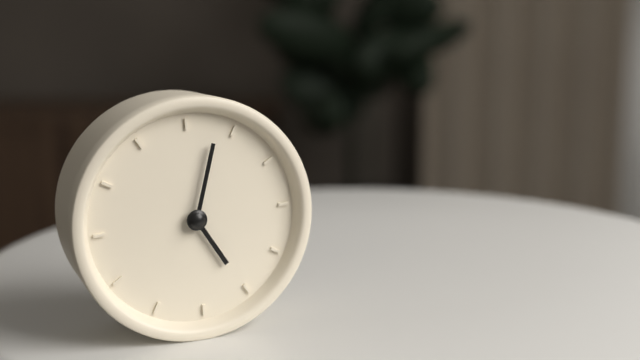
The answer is 5:03
